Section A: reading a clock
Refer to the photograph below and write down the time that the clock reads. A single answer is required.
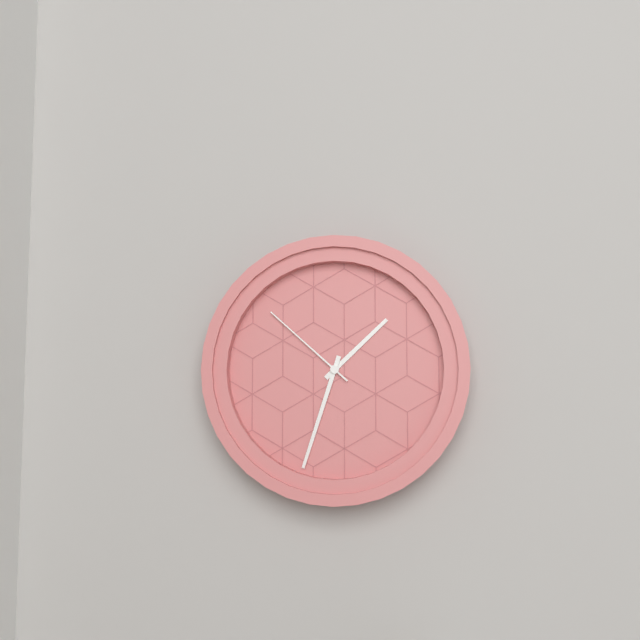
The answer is 1:33:52
